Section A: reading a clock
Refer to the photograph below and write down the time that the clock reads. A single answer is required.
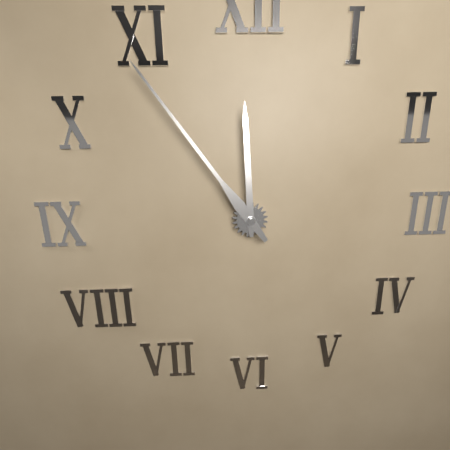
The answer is 11:54
